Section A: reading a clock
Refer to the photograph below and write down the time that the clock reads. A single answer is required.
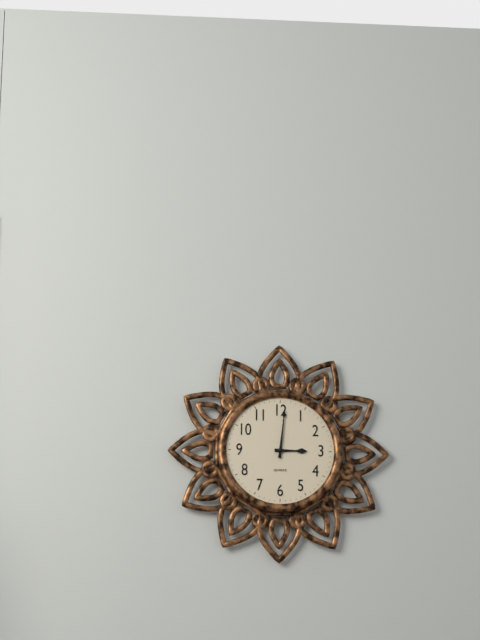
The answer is 3:01
